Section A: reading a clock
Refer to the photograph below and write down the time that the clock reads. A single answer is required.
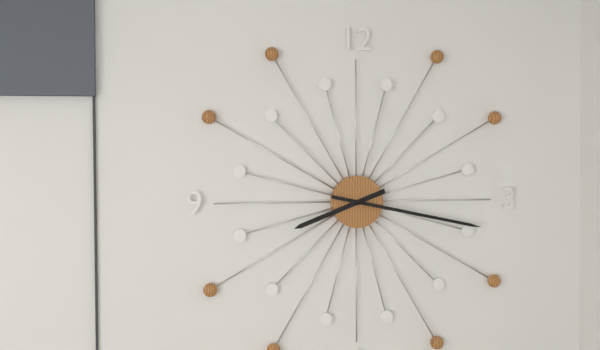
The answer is 8:17
